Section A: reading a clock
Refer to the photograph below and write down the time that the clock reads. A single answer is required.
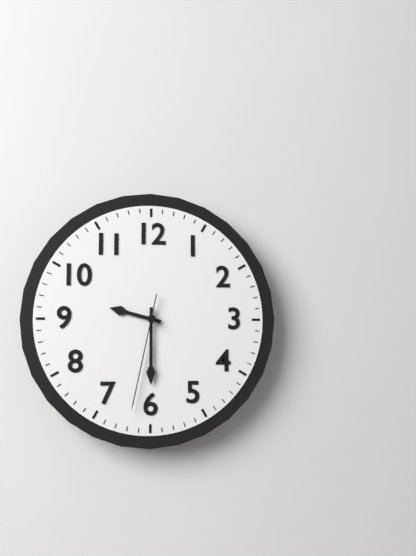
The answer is 9:30:32
